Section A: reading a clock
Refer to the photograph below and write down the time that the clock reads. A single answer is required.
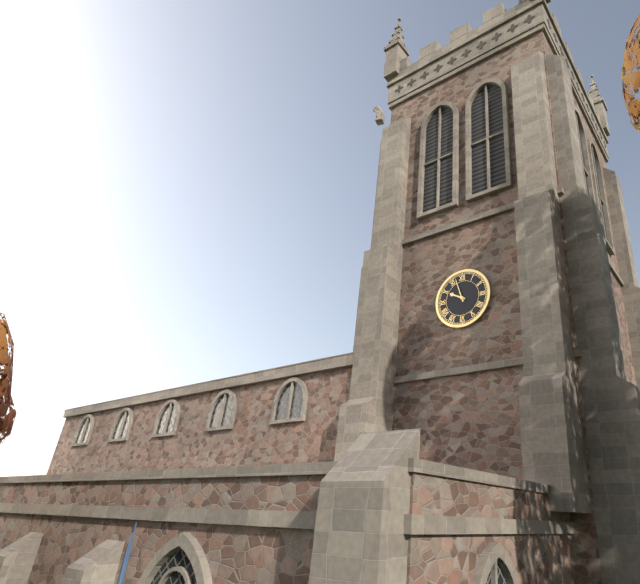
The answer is 9:57
